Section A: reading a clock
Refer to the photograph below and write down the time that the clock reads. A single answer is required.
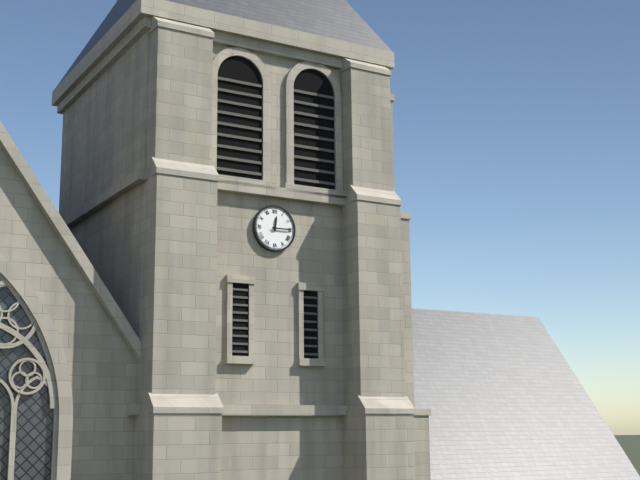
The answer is 12:15
